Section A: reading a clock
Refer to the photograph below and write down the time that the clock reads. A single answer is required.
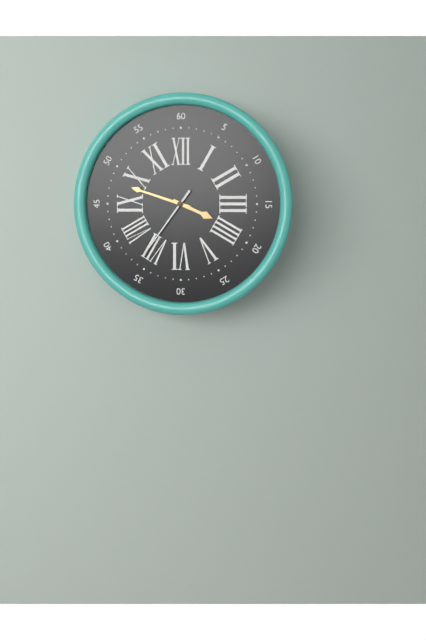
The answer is 3:48:36
